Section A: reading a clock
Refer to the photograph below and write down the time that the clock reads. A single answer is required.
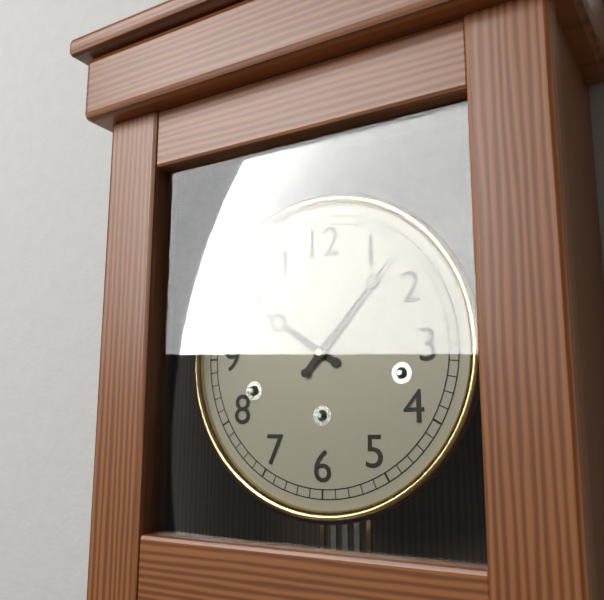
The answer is 10:07
